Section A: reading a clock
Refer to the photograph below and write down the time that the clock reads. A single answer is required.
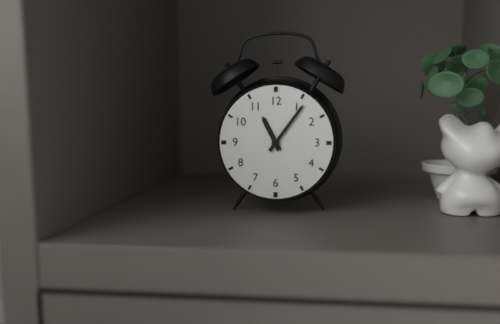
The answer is 11:06
